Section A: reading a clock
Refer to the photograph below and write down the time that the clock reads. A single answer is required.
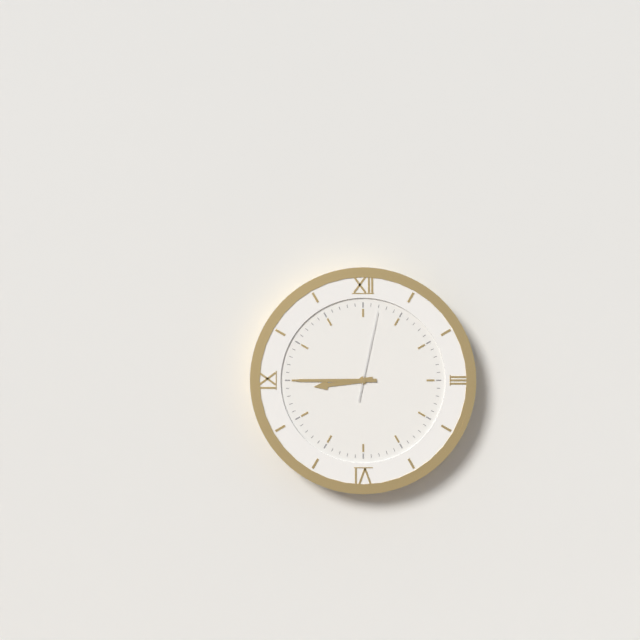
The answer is 8:45:02
